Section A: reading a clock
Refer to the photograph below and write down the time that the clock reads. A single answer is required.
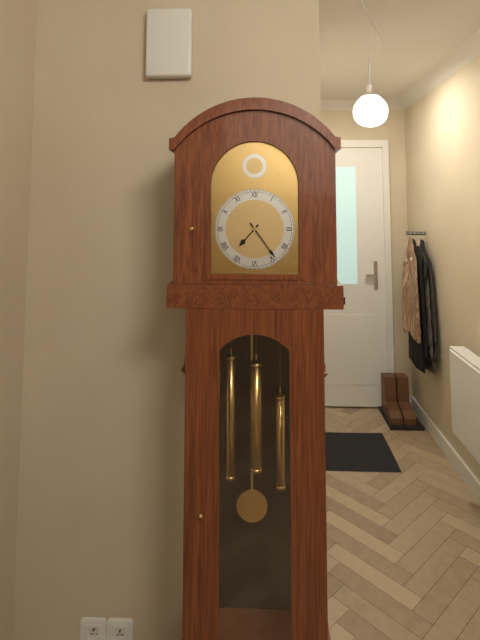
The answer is 7:24
